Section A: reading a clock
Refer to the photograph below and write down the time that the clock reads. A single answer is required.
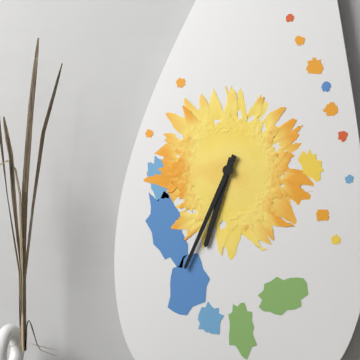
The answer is 6:34
